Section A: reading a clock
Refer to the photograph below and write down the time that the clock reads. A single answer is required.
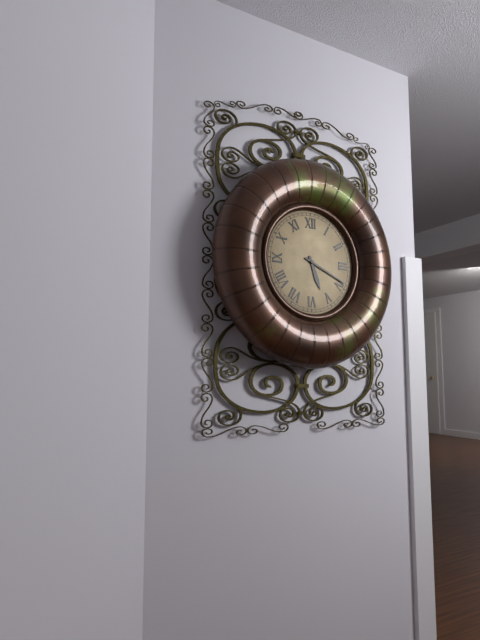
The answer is 5:19
